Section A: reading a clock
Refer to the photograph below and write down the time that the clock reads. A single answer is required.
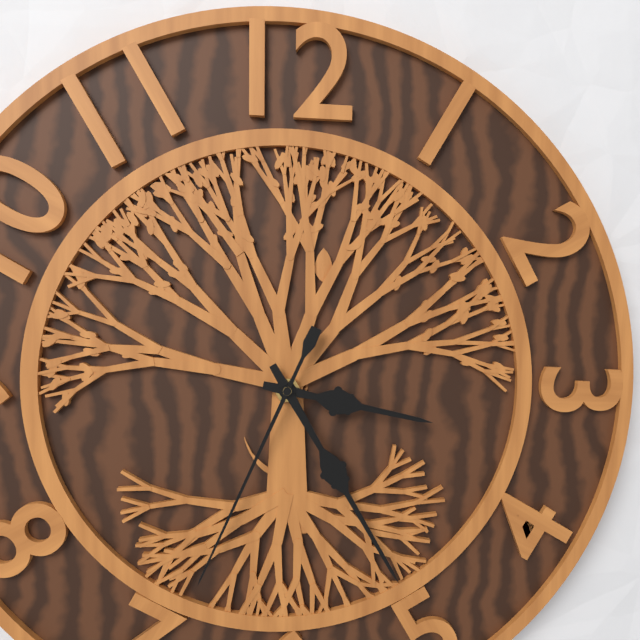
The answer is 3:25:34
